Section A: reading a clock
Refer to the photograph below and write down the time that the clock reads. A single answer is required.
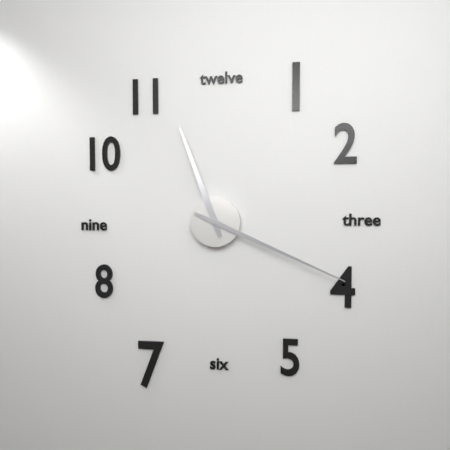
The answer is 11:19
